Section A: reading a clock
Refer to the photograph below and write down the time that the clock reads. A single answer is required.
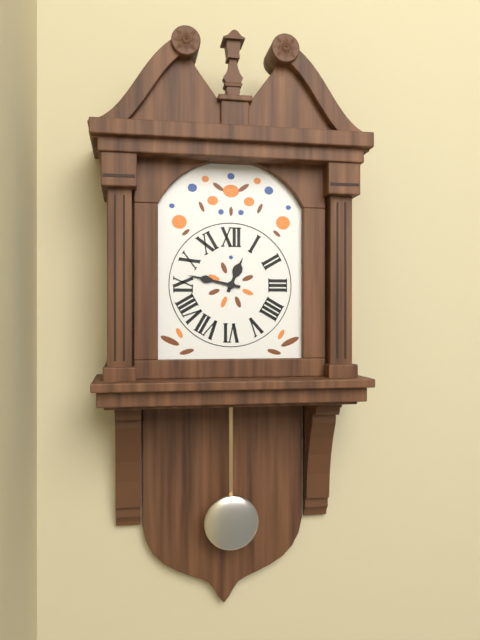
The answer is 12:47
